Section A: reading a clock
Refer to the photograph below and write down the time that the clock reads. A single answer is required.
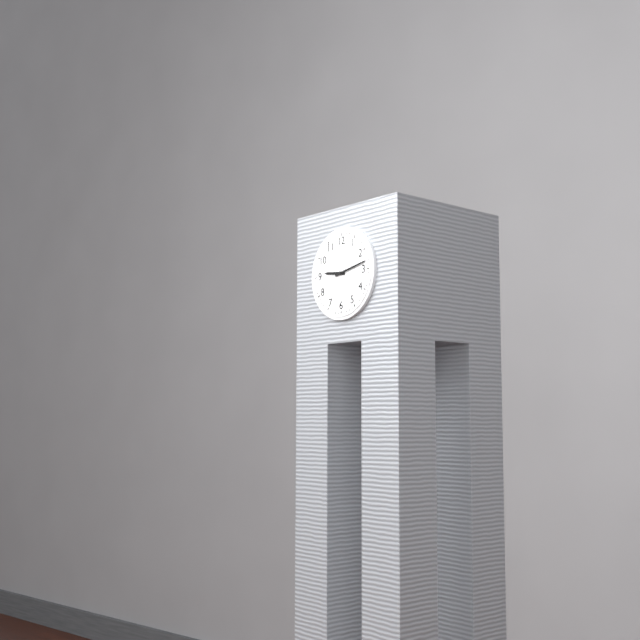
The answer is 9:13
